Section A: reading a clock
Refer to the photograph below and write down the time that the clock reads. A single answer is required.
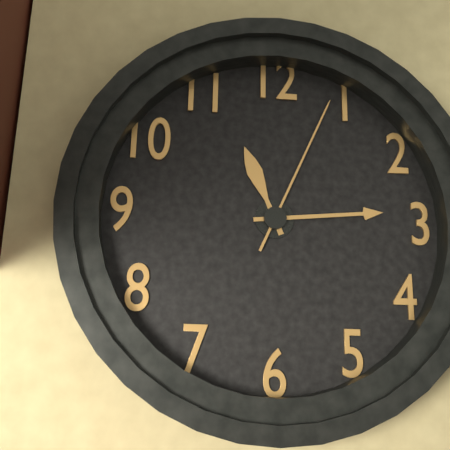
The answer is 11:14:04
